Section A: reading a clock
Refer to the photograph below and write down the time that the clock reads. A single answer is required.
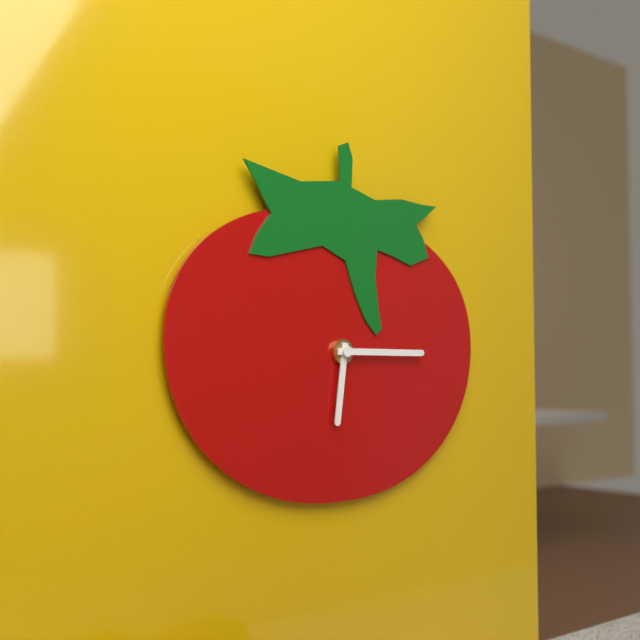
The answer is 6:15
